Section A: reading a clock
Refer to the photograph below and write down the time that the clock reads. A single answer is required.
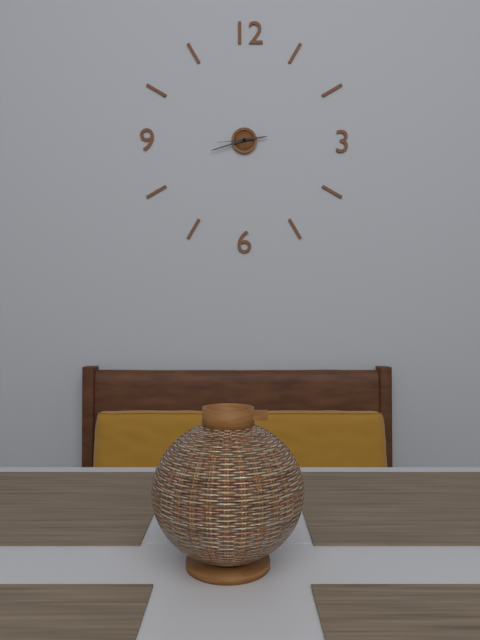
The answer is 2:42
